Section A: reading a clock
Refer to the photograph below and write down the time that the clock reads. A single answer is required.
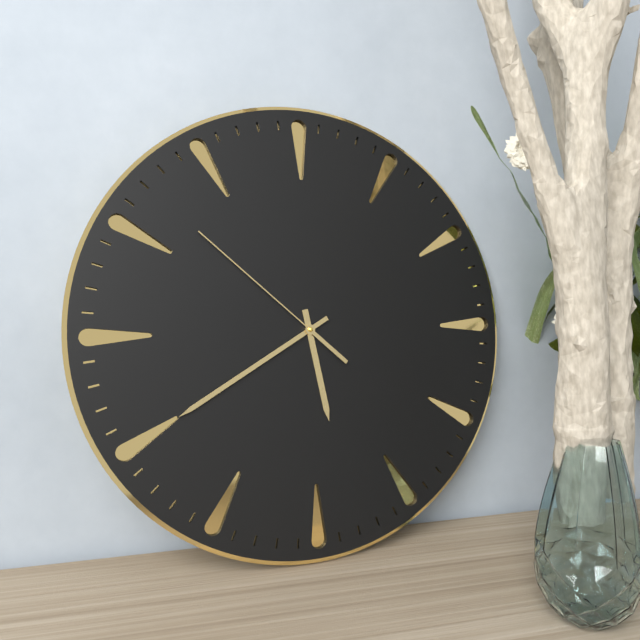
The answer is 5:40:52
